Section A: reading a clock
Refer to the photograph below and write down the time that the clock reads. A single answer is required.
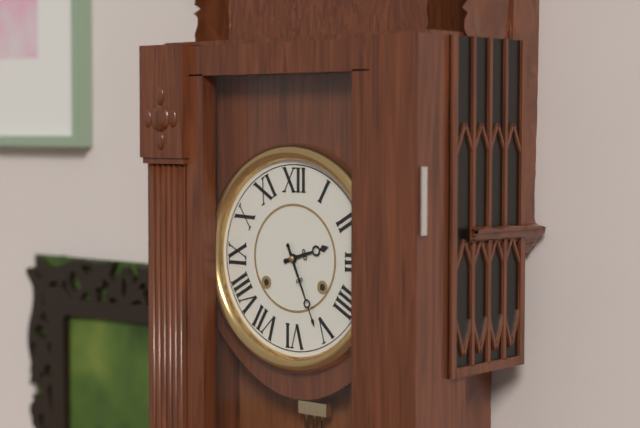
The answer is 2:26
